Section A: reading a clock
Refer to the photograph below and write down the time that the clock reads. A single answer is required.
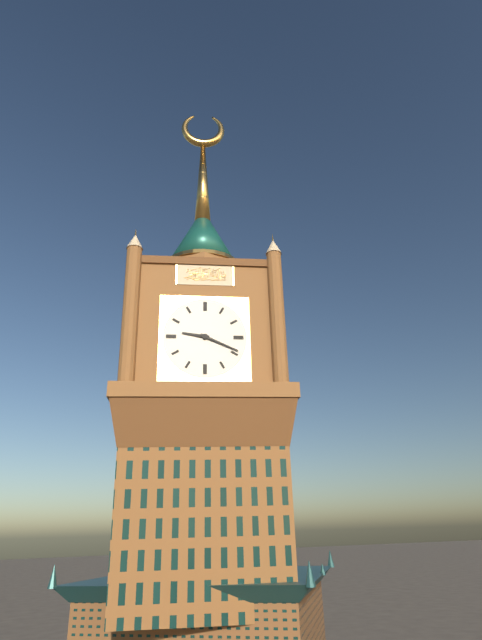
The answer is 9:19
